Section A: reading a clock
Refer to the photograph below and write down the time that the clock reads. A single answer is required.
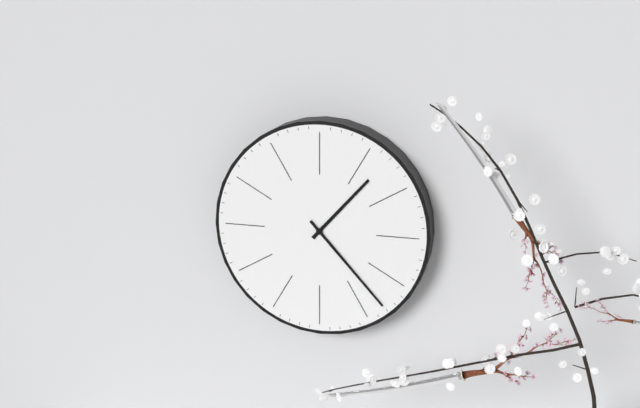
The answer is 1:23
